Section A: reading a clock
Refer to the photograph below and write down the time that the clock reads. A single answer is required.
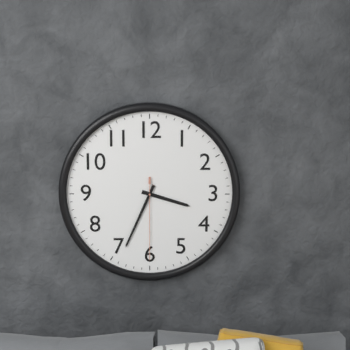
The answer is 3:34:30
